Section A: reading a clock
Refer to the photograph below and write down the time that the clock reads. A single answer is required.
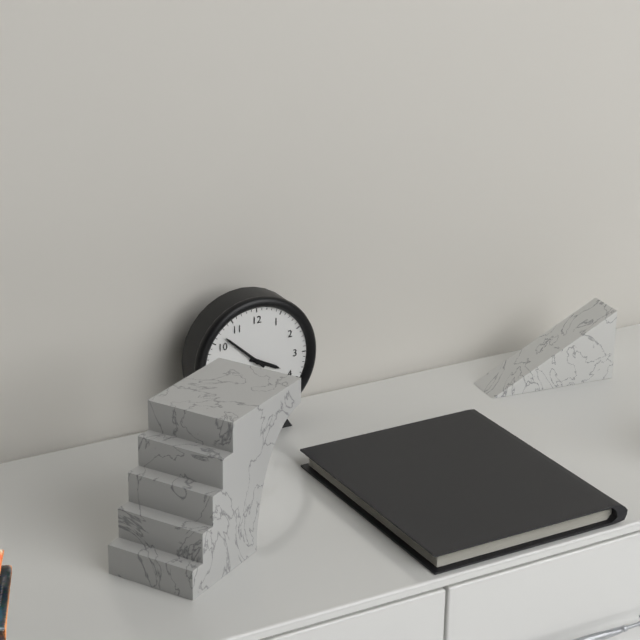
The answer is 3:52
